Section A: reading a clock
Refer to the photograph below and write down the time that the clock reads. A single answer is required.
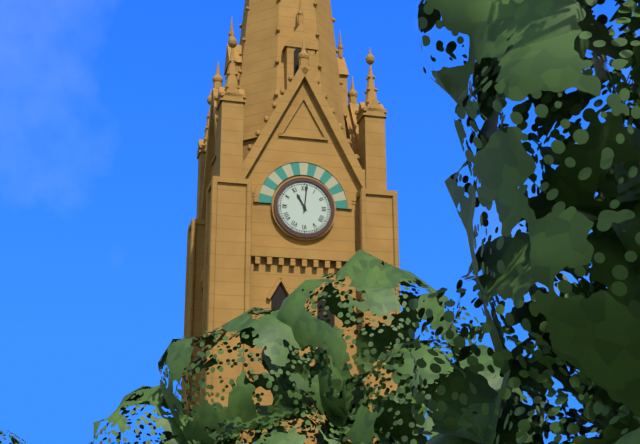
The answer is 11:01
